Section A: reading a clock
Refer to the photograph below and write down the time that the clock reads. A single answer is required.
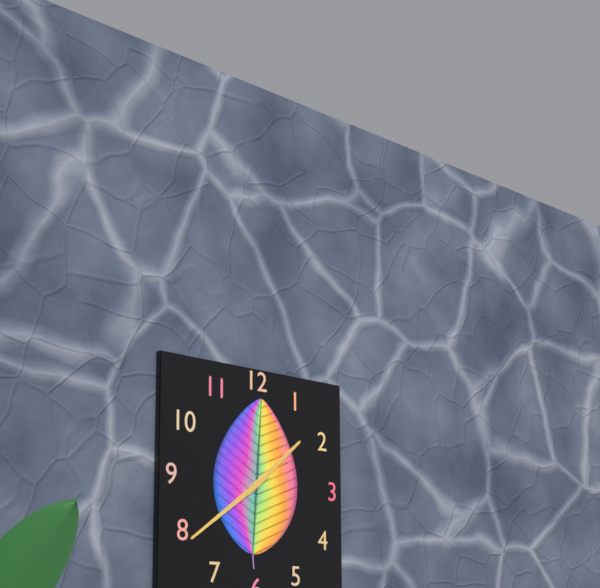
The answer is 1:39
